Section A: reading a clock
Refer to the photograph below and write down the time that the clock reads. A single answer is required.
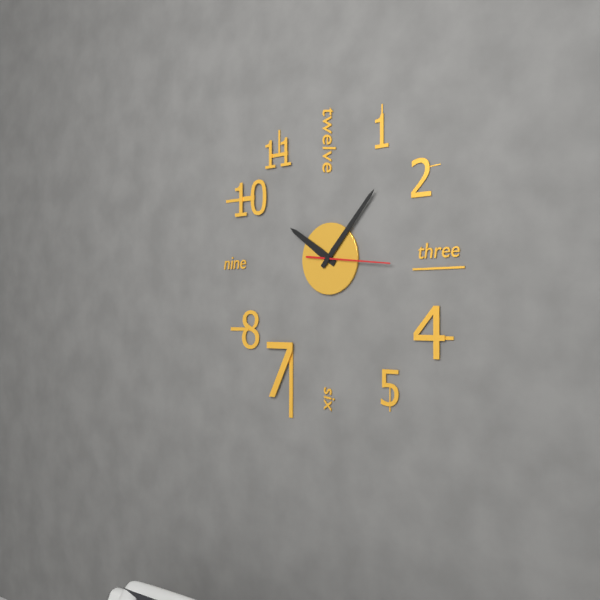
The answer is 10:07:16
